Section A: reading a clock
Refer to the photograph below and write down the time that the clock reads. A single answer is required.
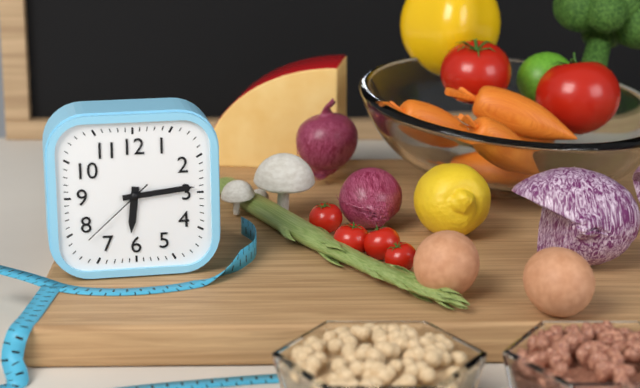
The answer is 6:14:38
